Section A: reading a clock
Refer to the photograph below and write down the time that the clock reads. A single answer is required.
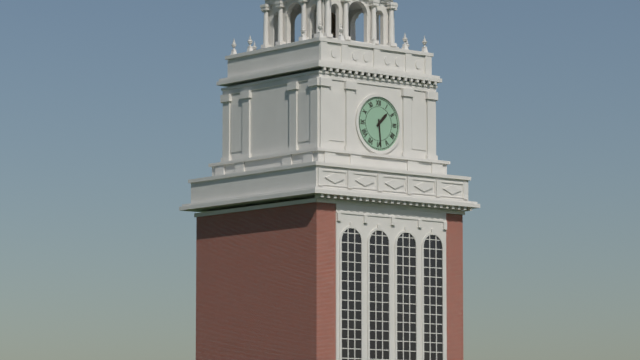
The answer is 1:29
